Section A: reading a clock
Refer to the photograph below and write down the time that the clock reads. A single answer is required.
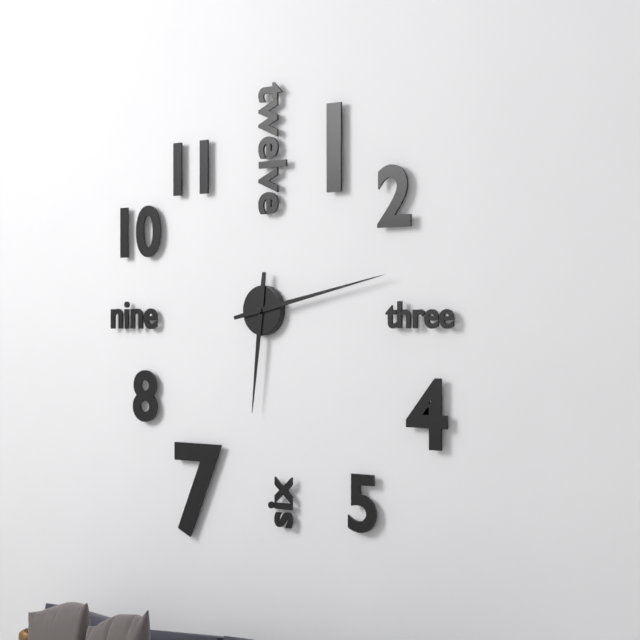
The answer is 6:13
